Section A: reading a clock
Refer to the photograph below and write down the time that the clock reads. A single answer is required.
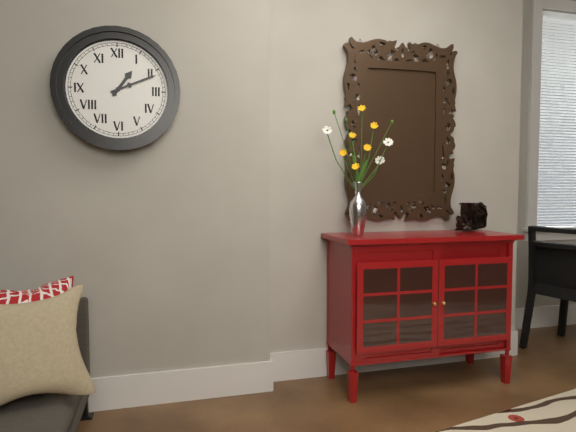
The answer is 1:11
